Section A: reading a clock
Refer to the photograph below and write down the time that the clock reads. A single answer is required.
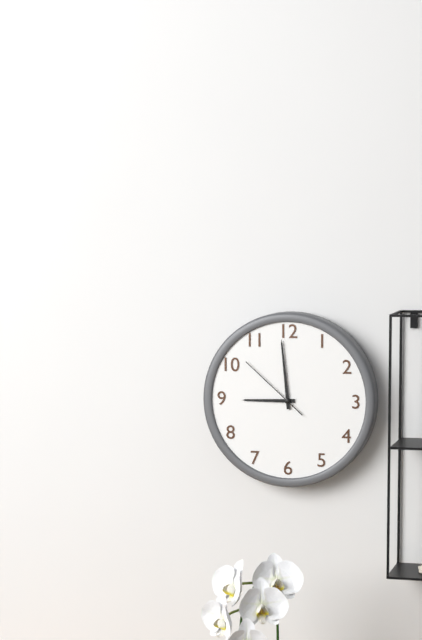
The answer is 8:59:52
